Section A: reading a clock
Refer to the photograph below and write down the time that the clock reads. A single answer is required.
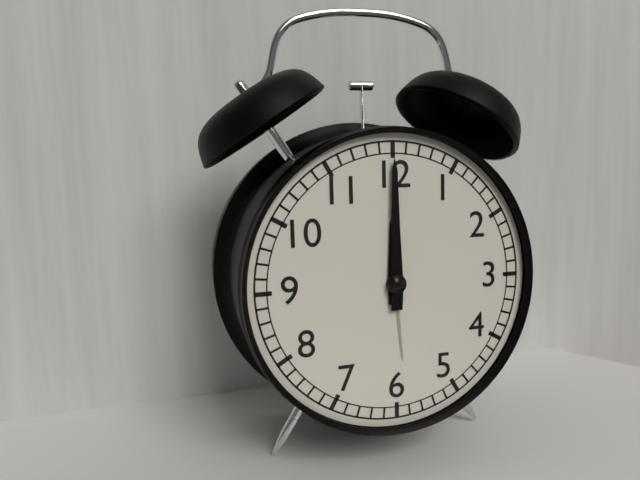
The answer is 12:00
